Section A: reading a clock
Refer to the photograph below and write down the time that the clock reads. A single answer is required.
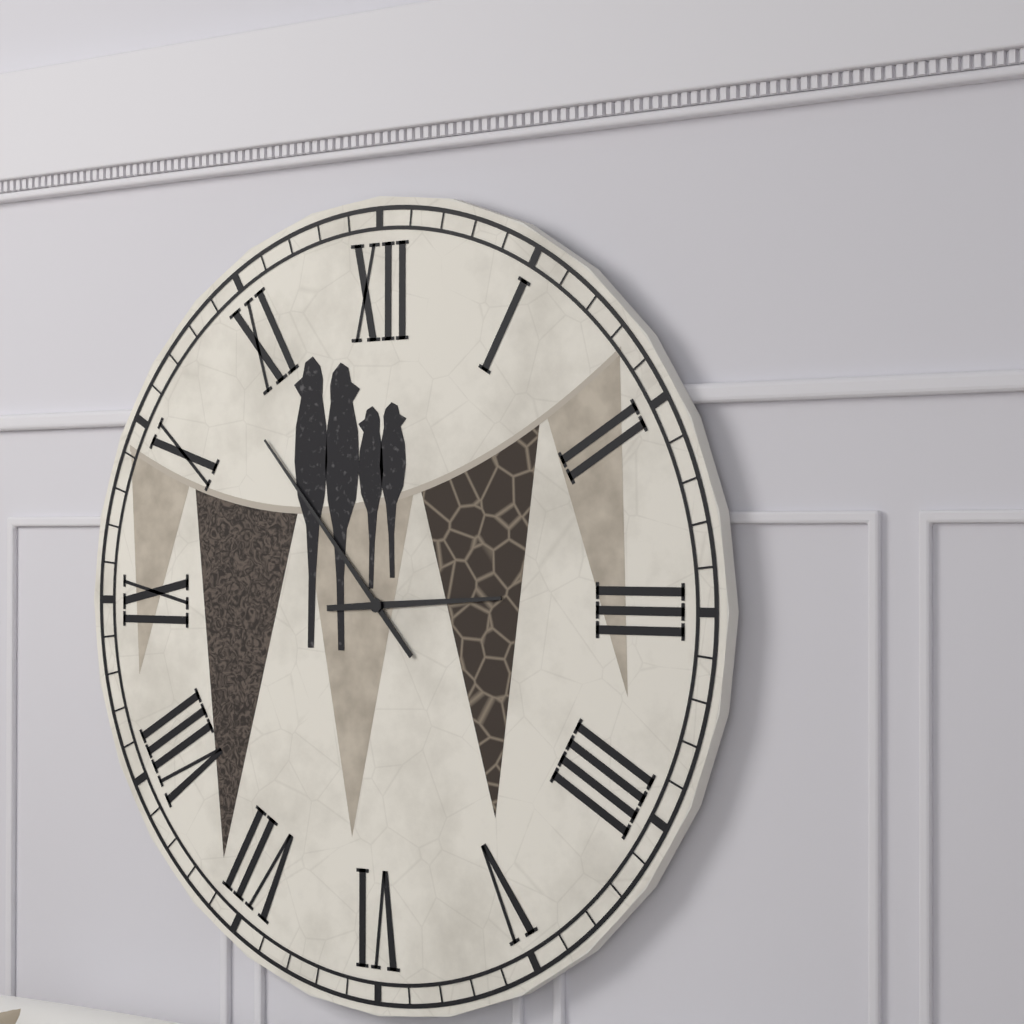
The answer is 2:53
